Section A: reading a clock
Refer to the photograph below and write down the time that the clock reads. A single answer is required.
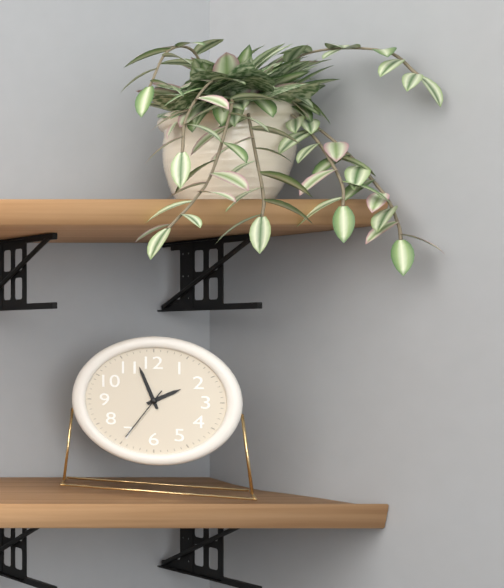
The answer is 1:57:35
